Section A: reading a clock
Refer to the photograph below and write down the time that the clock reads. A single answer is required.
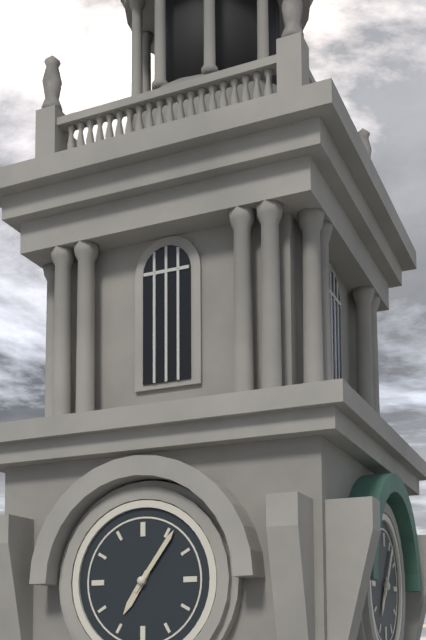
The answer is 7:06
